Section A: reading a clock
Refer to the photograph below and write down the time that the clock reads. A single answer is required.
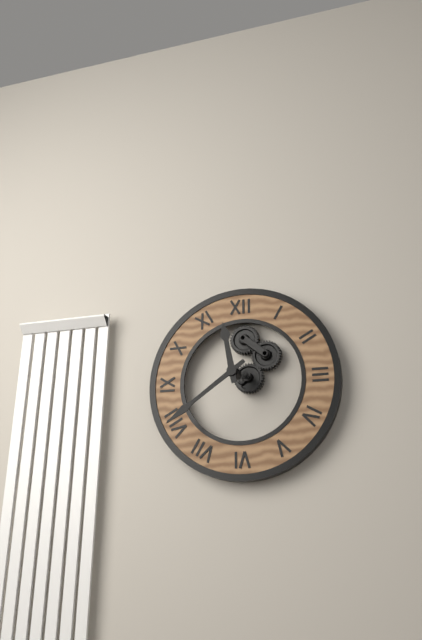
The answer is 11:39
